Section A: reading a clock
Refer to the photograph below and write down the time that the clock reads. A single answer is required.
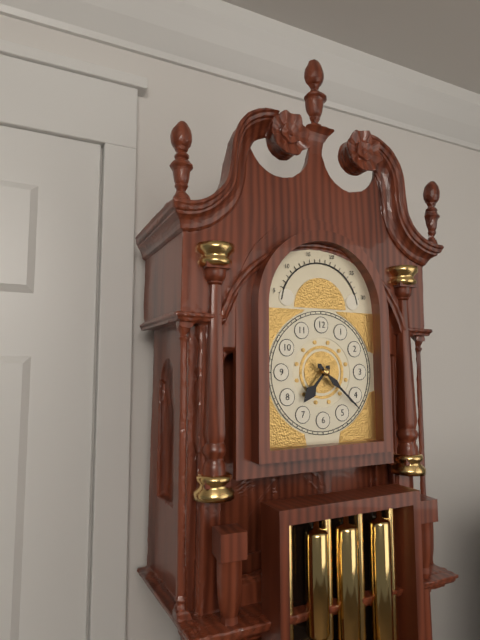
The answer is 7:22
